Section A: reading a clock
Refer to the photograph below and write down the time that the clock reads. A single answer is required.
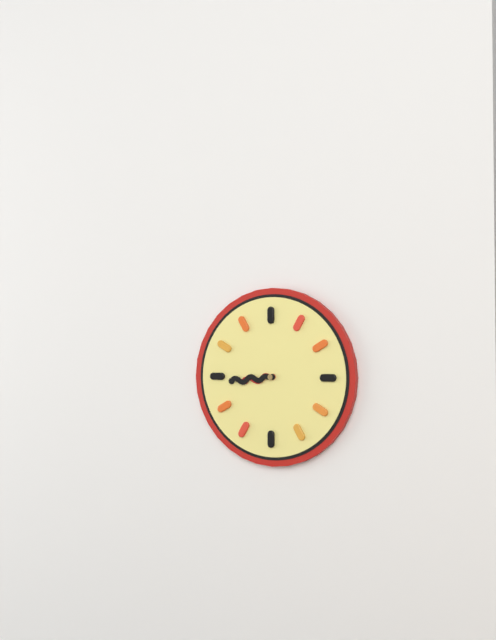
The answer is 8:44
